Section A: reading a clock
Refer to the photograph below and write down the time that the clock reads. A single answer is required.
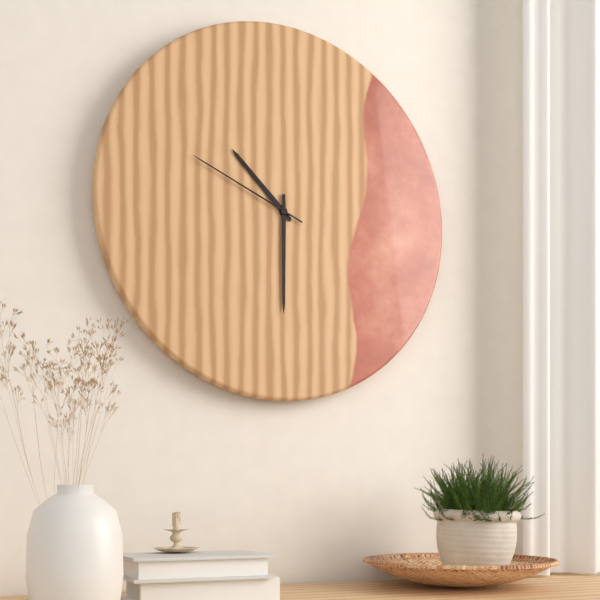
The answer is 10:30:49
